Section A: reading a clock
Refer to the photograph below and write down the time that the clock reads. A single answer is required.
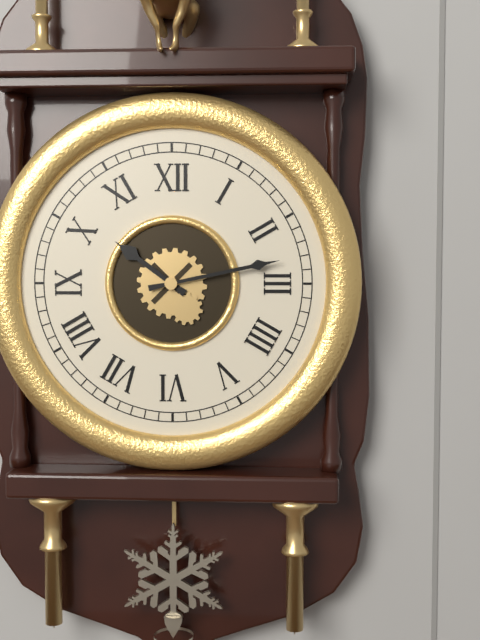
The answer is 10:13
